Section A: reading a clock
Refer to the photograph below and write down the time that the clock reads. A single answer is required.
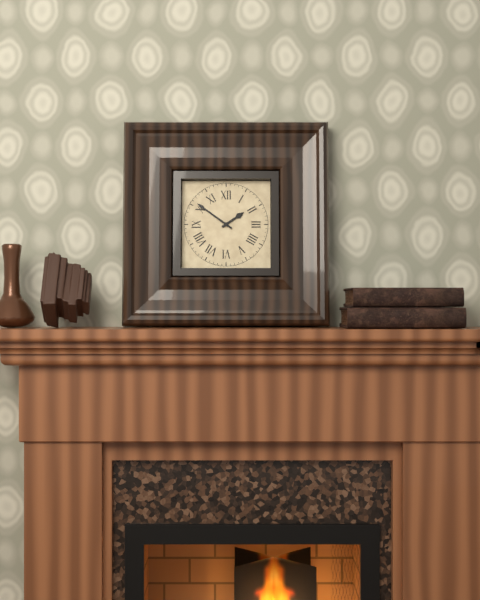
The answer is 1:51
